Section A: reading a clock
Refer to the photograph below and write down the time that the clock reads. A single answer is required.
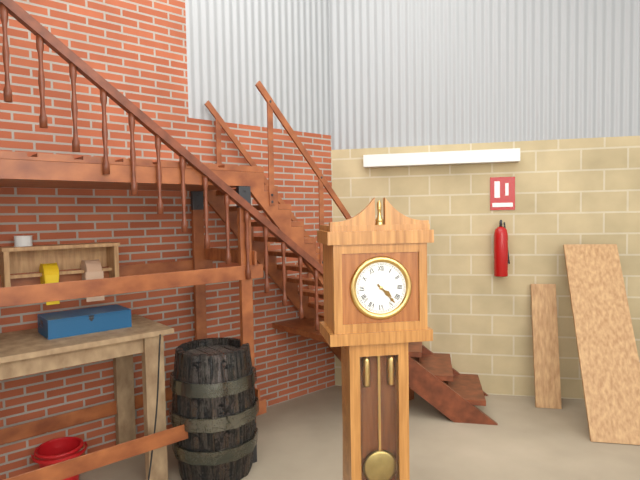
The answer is 4:23
